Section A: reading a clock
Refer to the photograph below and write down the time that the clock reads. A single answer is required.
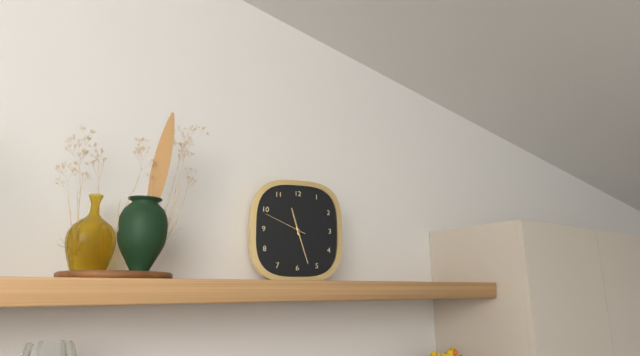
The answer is 11:27
